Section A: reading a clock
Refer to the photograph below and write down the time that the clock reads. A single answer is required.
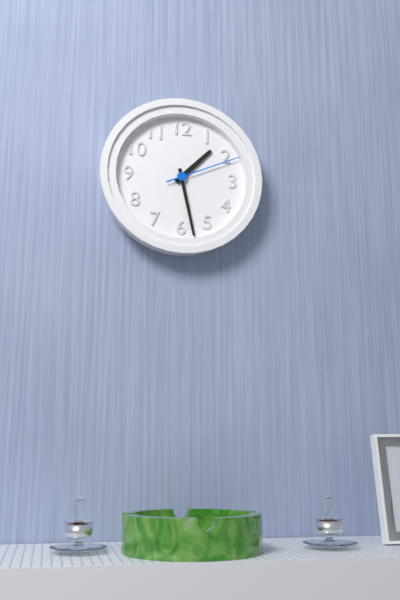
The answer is 1:28:11
